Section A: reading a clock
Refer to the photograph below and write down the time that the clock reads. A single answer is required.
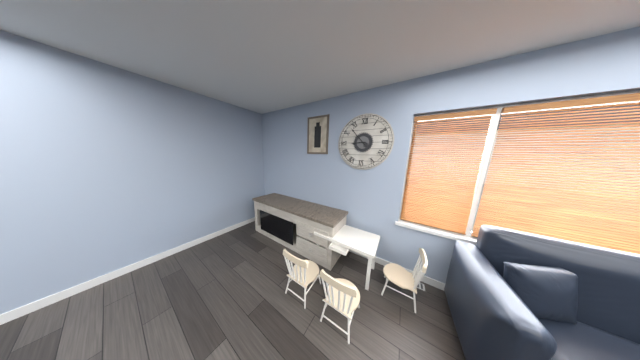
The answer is 8:53
